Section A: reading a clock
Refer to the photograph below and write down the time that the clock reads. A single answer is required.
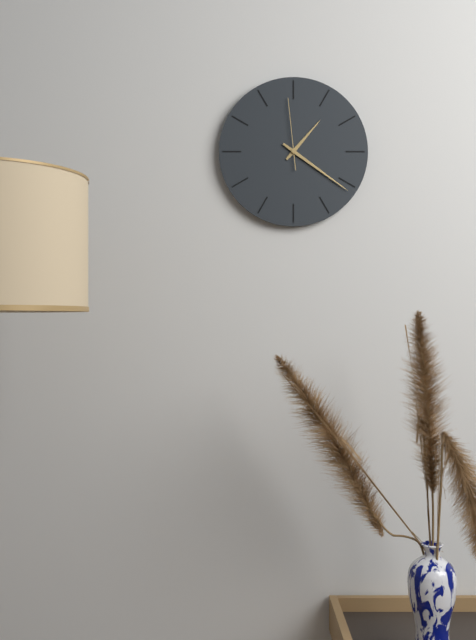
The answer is 1:21:59
